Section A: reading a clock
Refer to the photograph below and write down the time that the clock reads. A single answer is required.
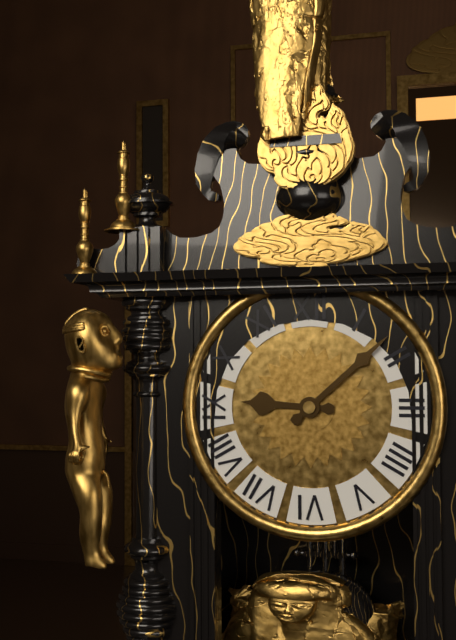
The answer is 9:08
